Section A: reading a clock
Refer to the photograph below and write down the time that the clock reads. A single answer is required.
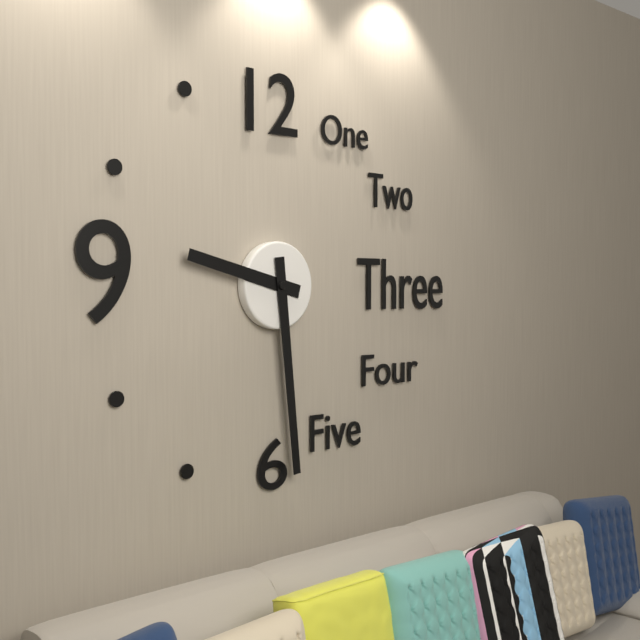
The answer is 9:29
